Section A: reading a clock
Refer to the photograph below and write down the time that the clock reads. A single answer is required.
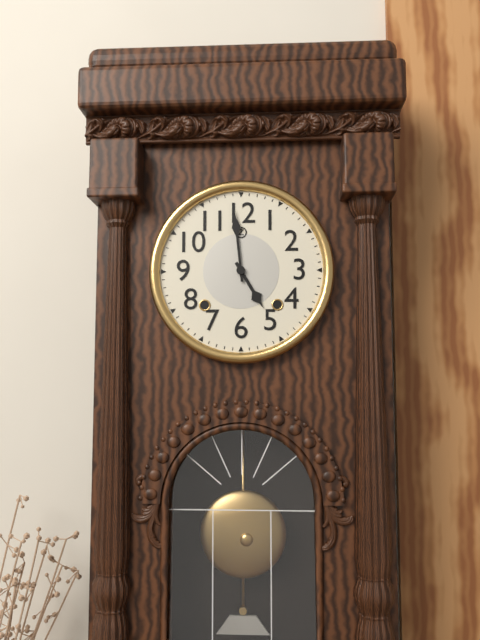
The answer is 4:59
